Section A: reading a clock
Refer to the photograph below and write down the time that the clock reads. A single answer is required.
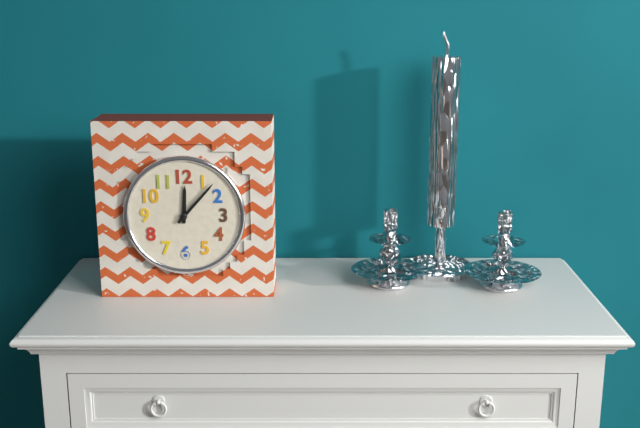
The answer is 12:07
